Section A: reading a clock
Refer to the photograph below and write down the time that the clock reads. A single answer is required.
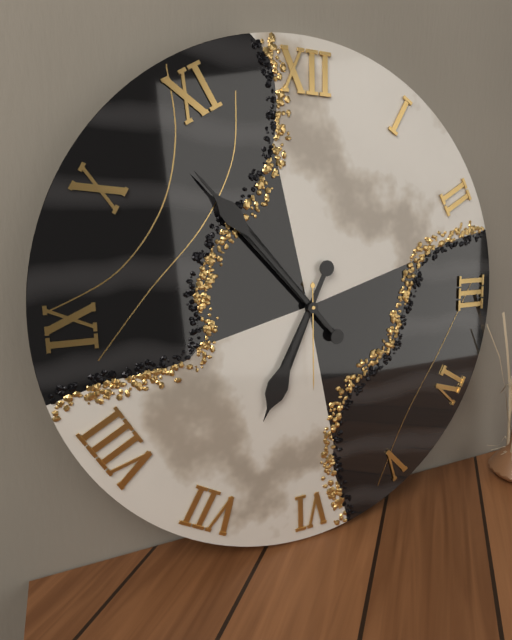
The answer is 6:53:30
